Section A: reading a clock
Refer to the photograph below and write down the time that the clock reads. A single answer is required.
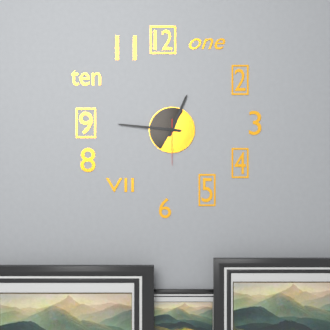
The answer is 12:46
